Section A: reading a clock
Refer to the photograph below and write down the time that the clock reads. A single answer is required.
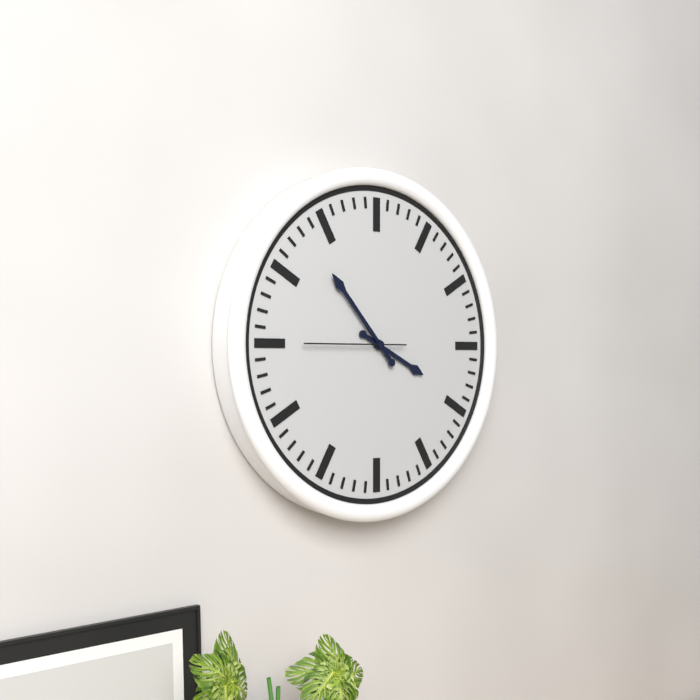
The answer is 3:53:45
